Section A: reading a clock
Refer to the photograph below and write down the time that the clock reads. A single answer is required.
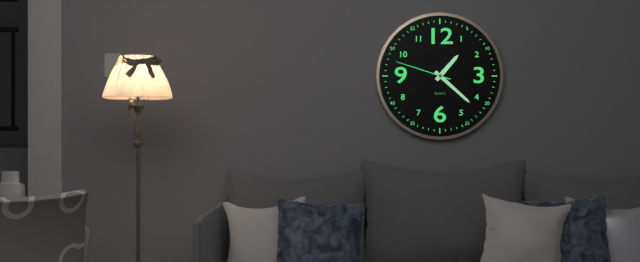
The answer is 1:22:48
